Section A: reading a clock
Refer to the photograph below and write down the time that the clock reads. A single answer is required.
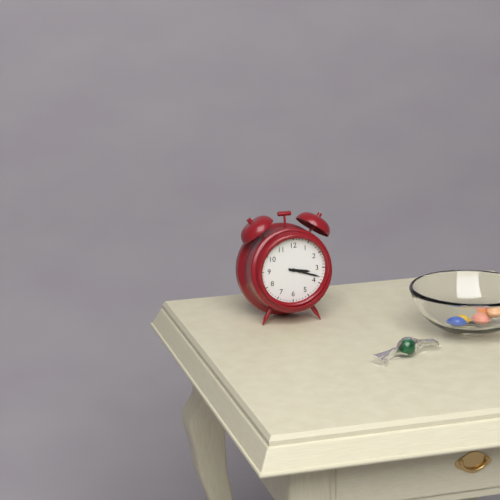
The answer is 3:18
